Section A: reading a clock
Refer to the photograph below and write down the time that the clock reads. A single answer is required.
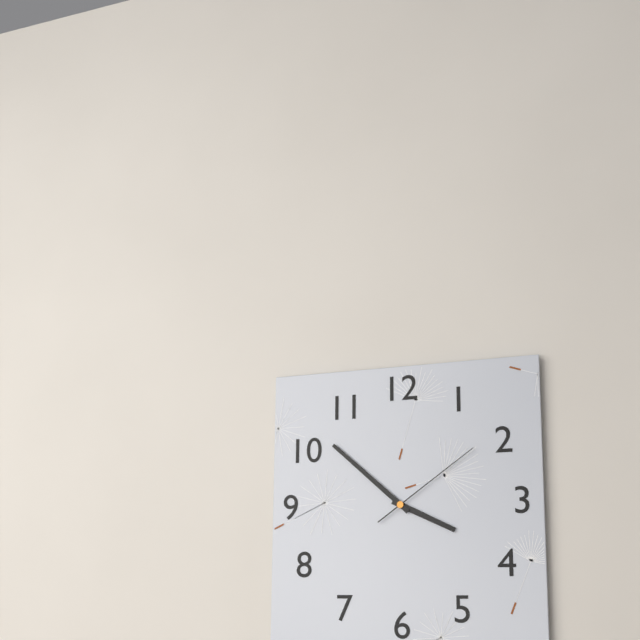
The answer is 3:52:09
